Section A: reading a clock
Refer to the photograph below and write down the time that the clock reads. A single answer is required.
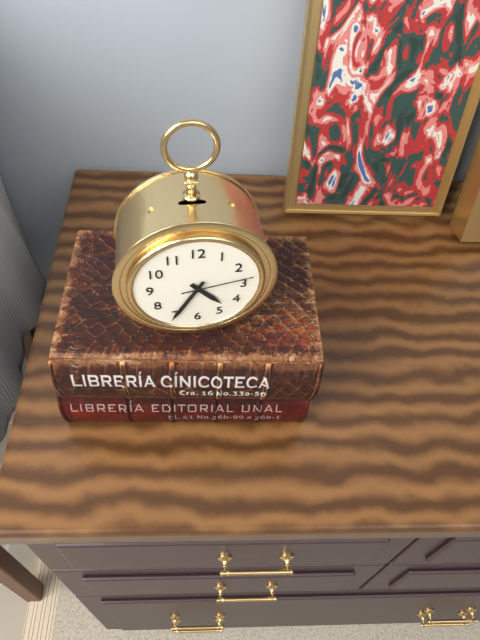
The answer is 4:35:13
